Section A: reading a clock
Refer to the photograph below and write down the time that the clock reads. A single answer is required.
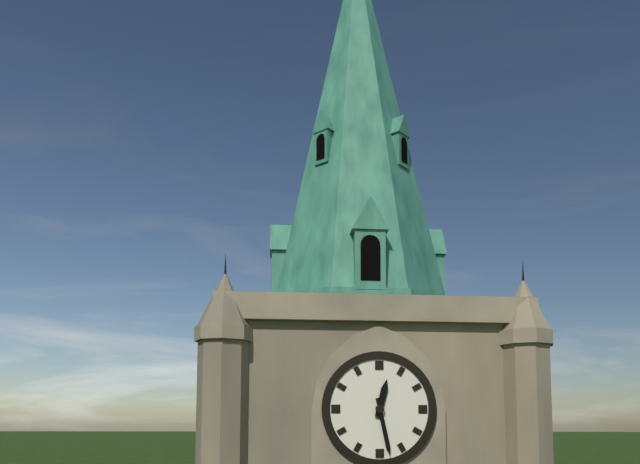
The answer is 12:28
